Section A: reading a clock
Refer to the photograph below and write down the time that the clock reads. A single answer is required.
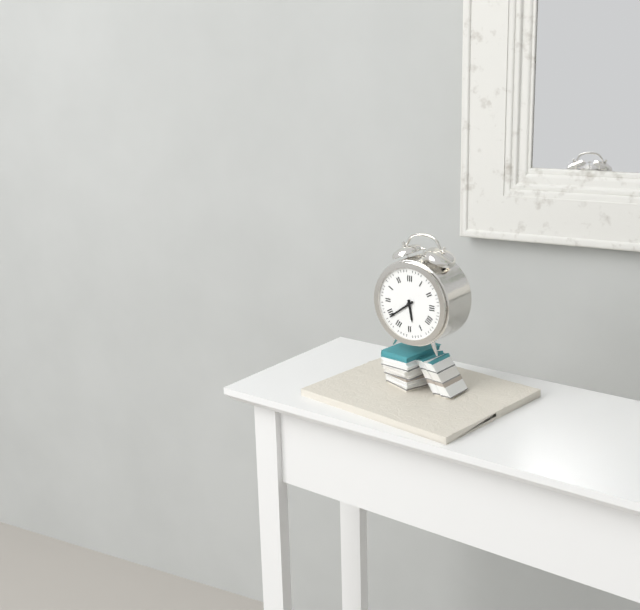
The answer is 5:39
